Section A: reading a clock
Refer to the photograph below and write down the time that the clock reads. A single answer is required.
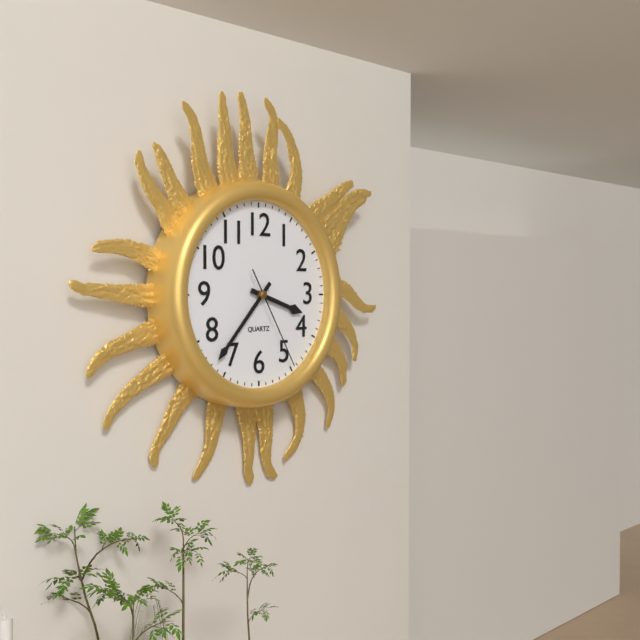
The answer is 3:37:25
